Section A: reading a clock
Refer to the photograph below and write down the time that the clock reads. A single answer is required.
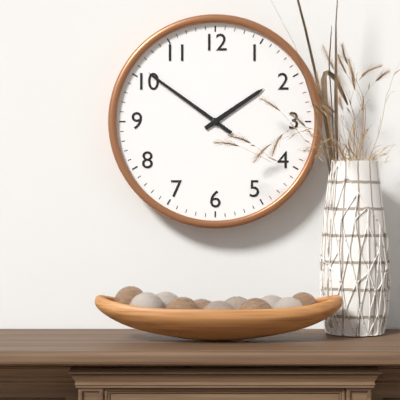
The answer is 1:51
